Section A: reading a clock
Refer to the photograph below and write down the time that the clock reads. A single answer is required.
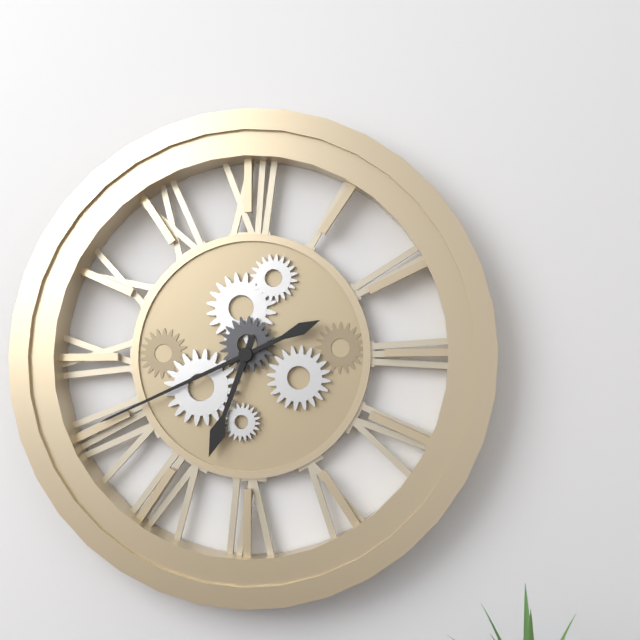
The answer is 6:41
